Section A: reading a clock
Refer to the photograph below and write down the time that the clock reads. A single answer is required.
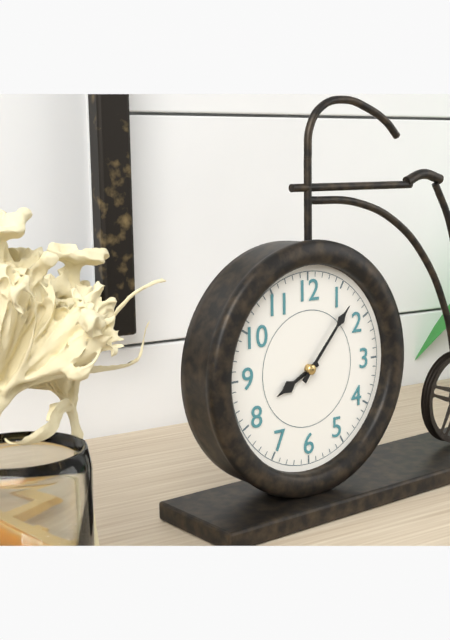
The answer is 8:07
